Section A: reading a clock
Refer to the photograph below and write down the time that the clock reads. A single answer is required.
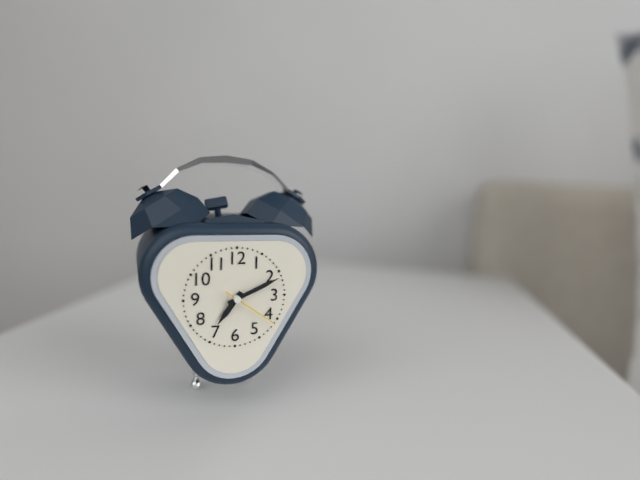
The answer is 7:11:21
